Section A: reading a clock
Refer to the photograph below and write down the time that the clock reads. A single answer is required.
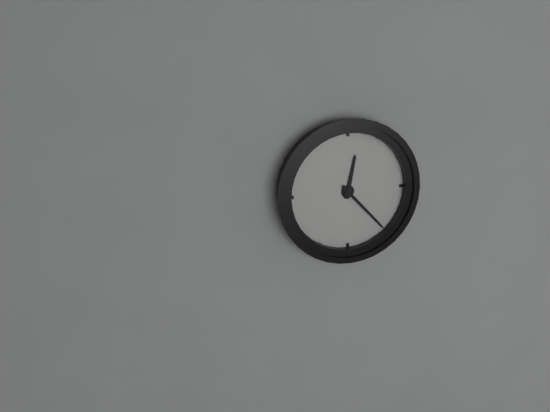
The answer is 12:23
